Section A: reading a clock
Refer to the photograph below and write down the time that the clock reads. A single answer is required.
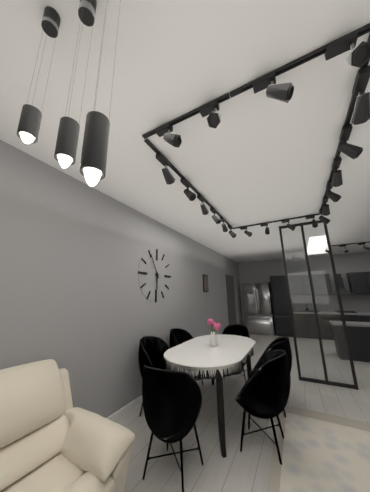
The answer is 5:55
